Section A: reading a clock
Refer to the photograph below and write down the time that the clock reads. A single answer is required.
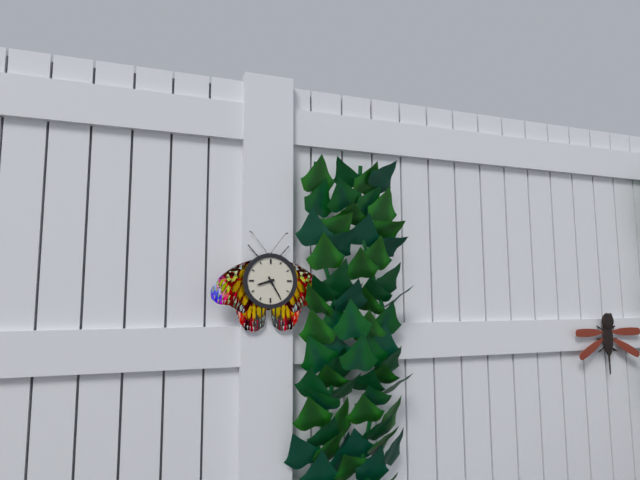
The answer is 8:25
